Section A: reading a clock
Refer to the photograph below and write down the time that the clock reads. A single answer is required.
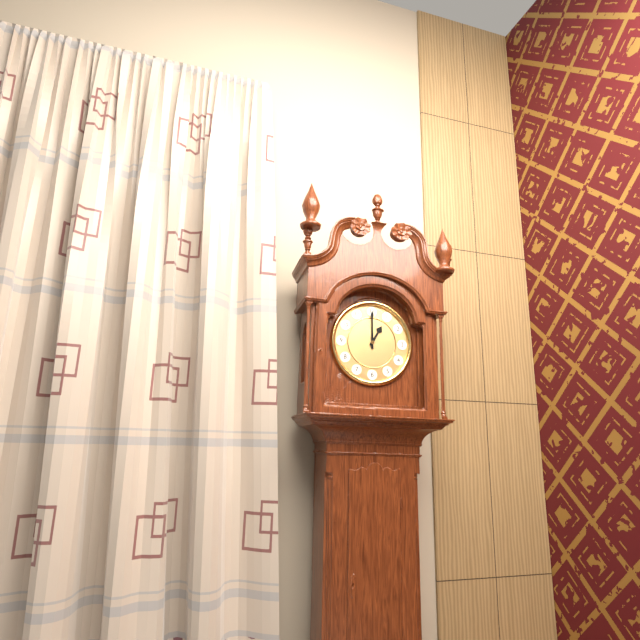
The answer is 1:00
